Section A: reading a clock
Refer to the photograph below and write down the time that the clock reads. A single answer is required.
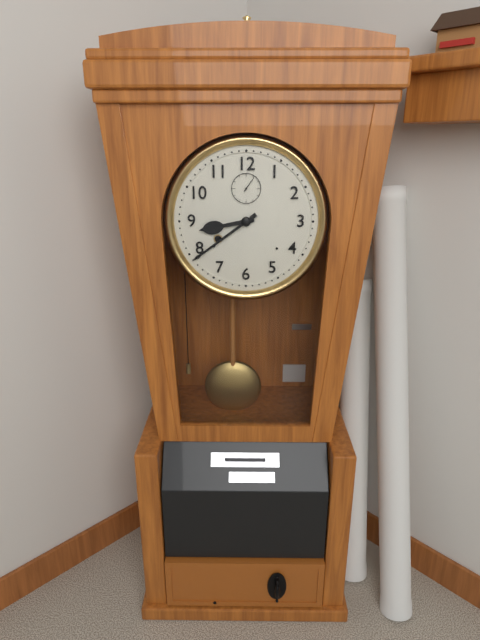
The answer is 8:39
